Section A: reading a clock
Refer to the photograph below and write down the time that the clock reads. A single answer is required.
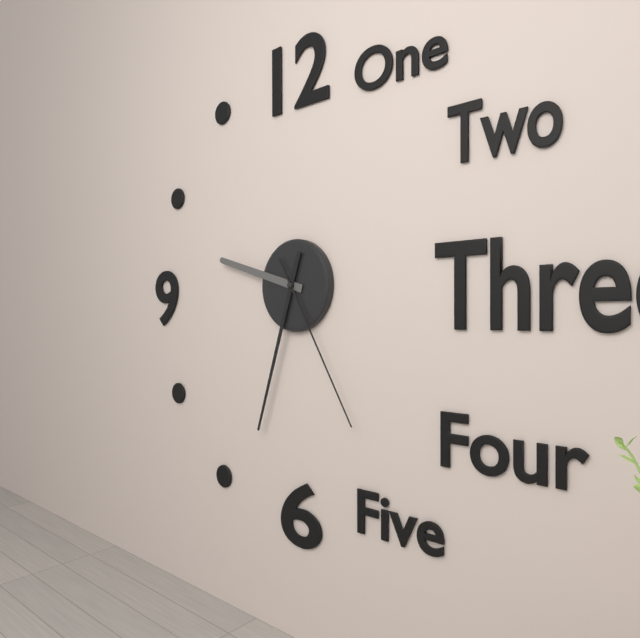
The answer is 9:33:25
